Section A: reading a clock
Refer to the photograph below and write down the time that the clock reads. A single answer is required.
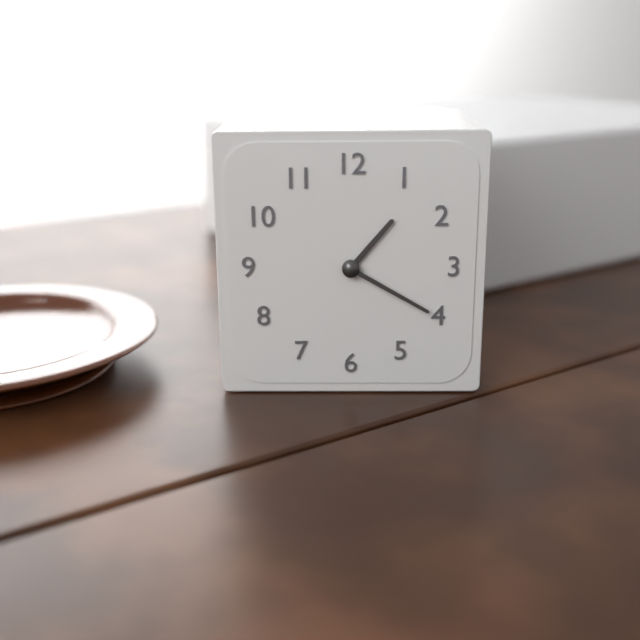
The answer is 1:20
